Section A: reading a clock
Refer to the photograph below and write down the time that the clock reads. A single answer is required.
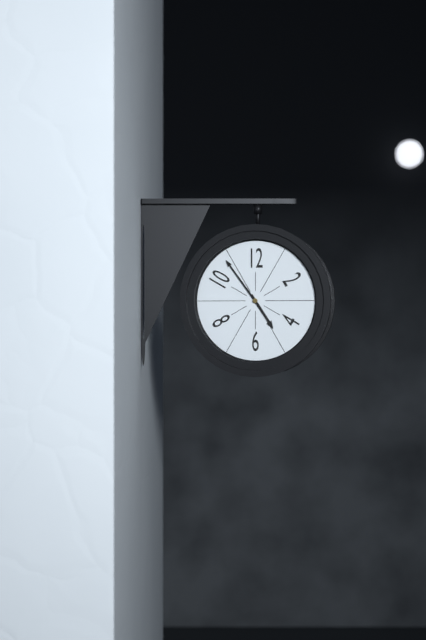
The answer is 4:54
